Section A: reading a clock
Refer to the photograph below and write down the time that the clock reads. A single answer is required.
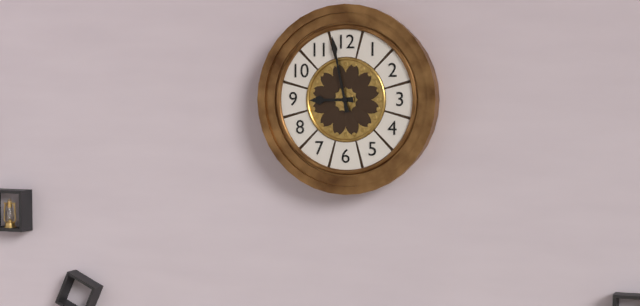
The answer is 8:58
